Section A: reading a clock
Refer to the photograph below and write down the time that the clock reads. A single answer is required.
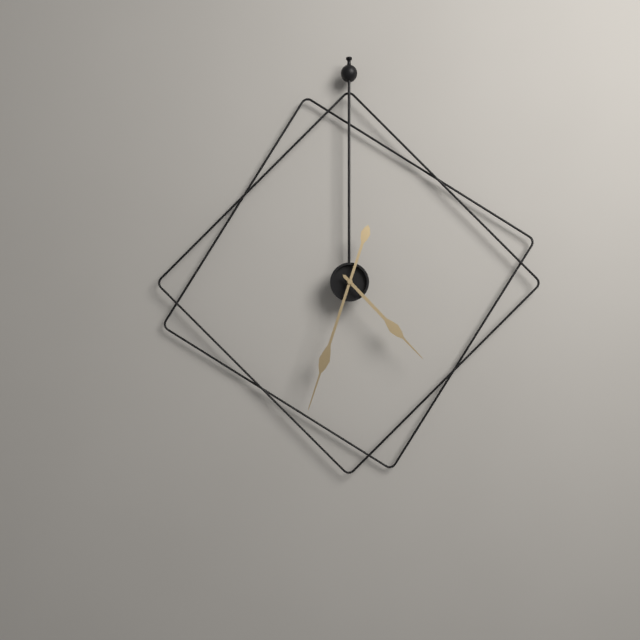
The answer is 4:33
